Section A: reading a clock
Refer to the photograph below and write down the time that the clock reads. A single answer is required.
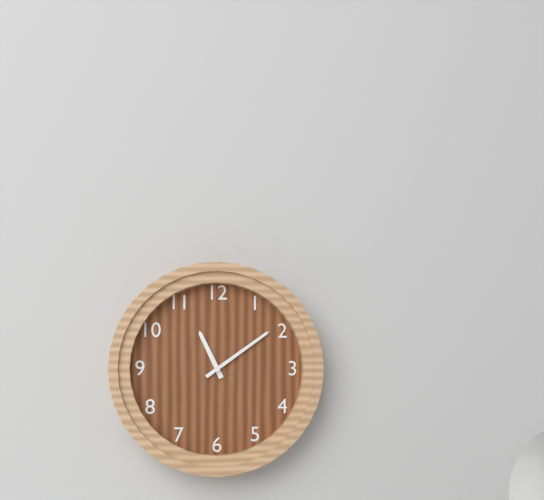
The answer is 11:09
